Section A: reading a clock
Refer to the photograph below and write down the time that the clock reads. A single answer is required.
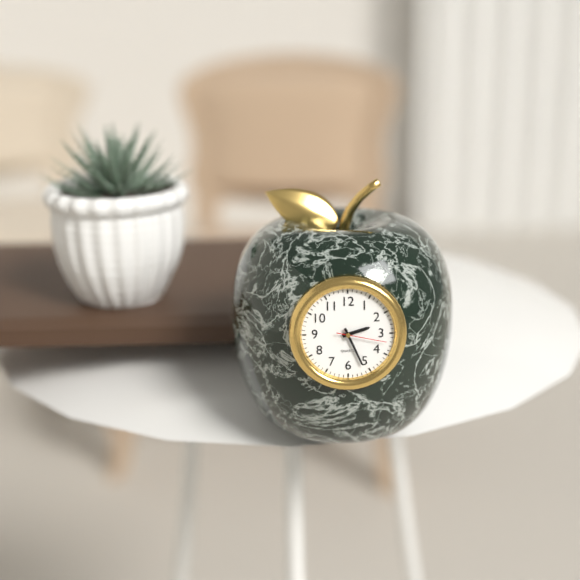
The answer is 2:26
